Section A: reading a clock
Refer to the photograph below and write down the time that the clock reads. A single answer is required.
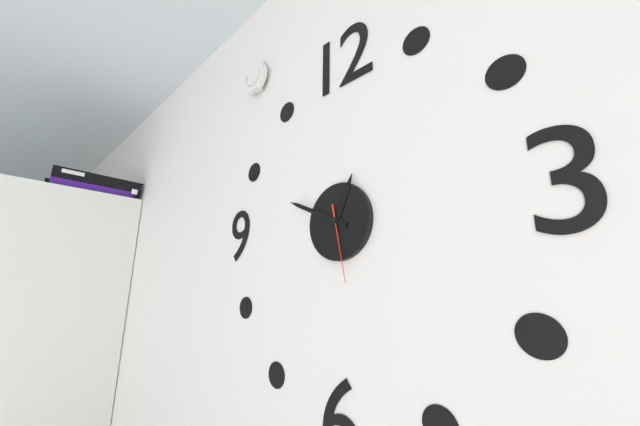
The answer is 12:49:28
